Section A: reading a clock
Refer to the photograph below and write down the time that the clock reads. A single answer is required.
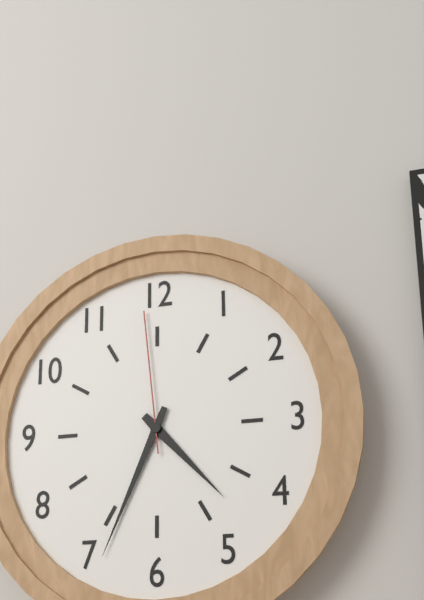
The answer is 4:34:59
